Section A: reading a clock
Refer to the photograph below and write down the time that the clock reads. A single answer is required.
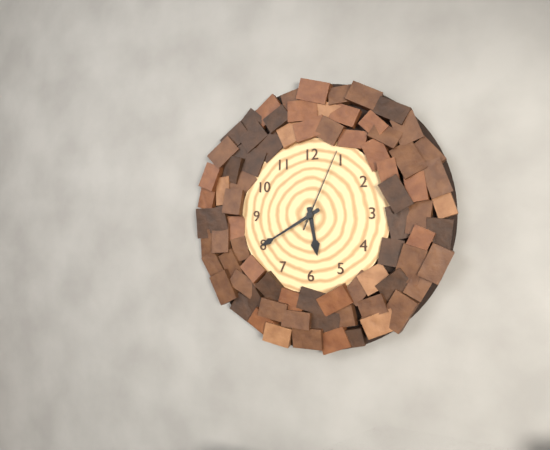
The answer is 5:40:04
